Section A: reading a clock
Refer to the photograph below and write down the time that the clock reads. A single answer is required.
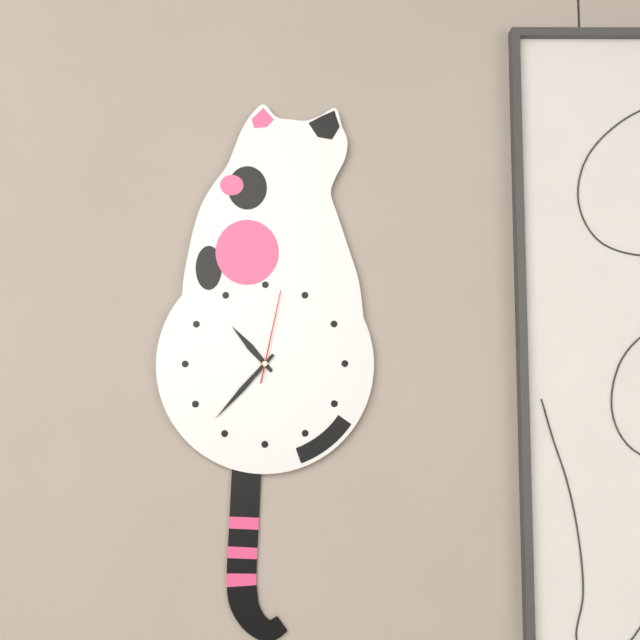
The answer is 10:37:02
